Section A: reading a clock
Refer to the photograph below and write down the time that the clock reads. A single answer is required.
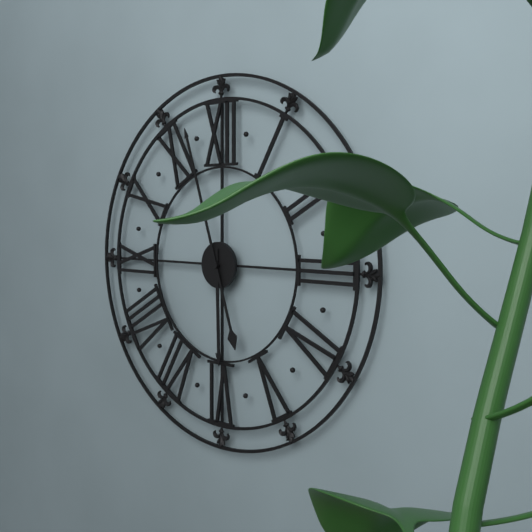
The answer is 5:57
